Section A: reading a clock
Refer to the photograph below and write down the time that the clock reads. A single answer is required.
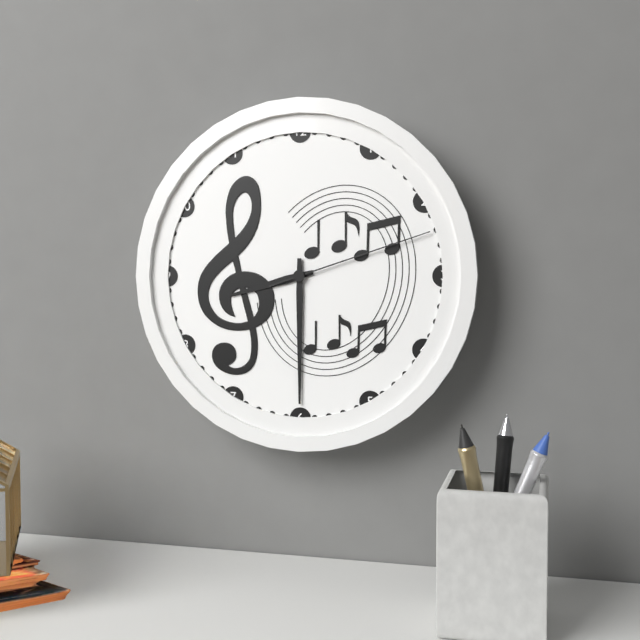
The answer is 8:30:12
